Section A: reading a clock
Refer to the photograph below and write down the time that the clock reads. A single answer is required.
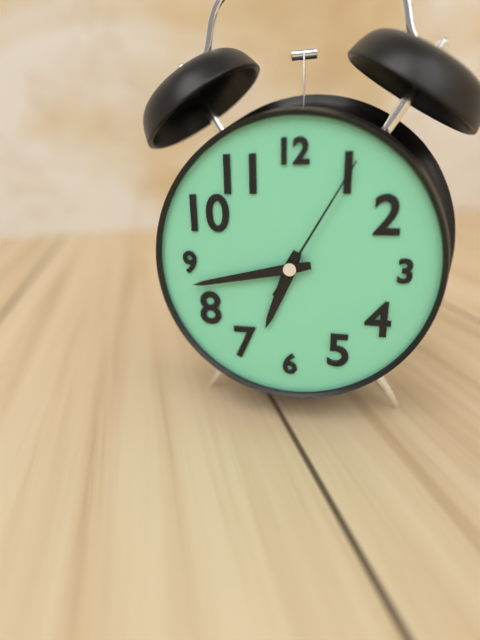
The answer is 6:43:05
